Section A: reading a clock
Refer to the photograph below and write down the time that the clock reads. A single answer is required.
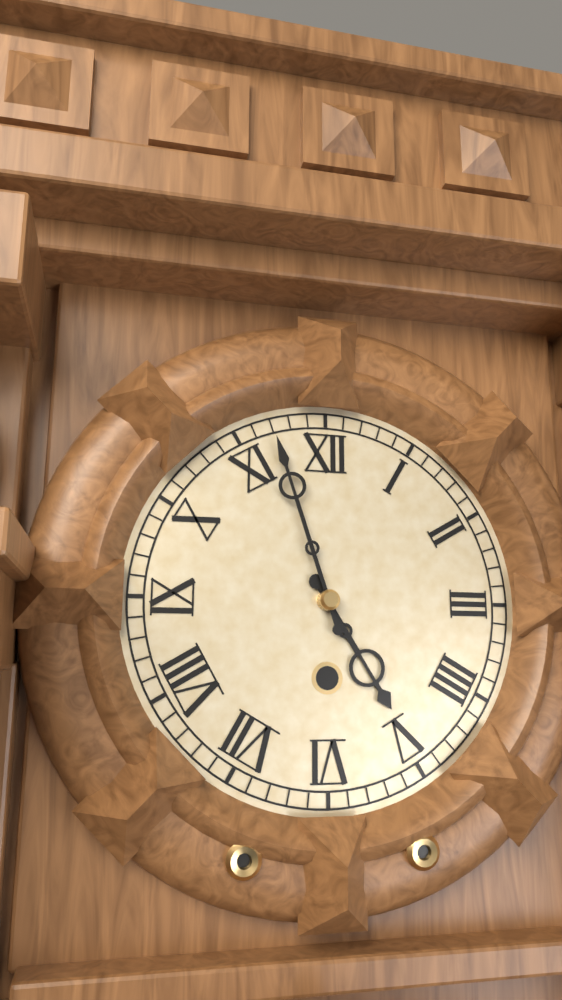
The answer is 4:57
